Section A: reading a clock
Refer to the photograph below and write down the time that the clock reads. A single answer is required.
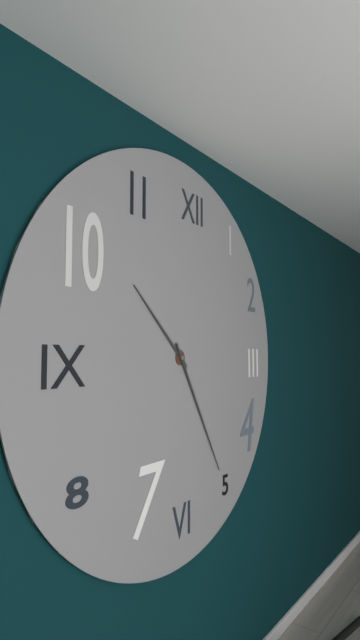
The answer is 10:25
